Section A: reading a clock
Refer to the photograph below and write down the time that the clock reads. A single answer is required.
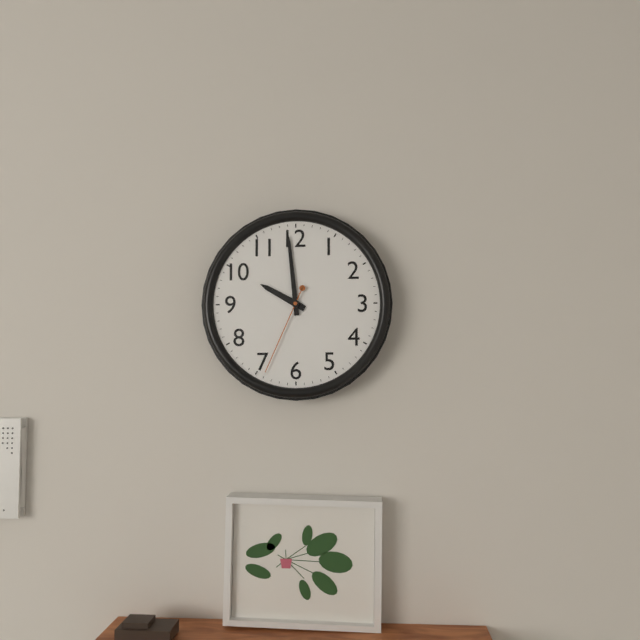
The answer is 9:59:34
